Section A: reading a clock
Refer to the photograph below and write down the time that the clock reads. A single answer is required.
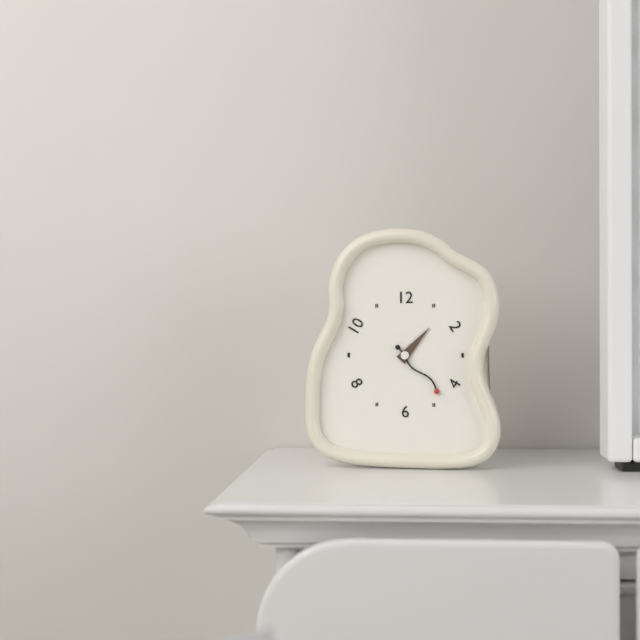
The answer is 1:23
